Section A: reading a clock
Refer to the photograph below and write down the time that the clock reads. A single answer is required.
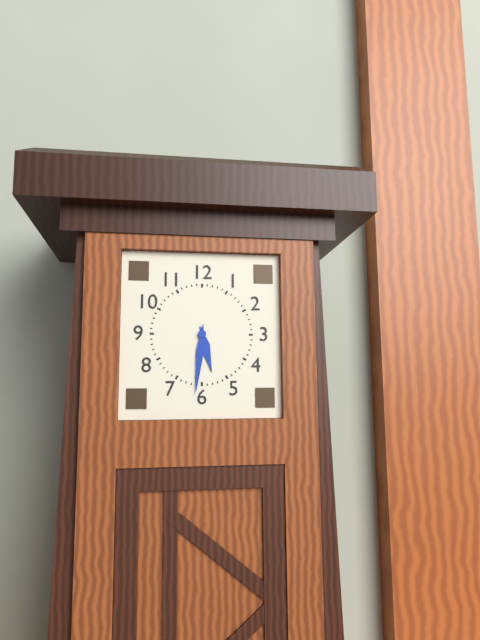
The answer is 5:31
